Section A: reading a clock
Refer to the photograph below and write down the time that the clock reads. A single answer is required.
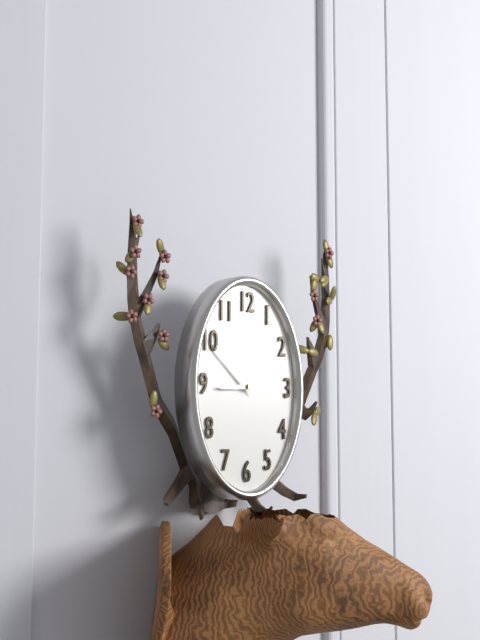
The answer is 8:52
